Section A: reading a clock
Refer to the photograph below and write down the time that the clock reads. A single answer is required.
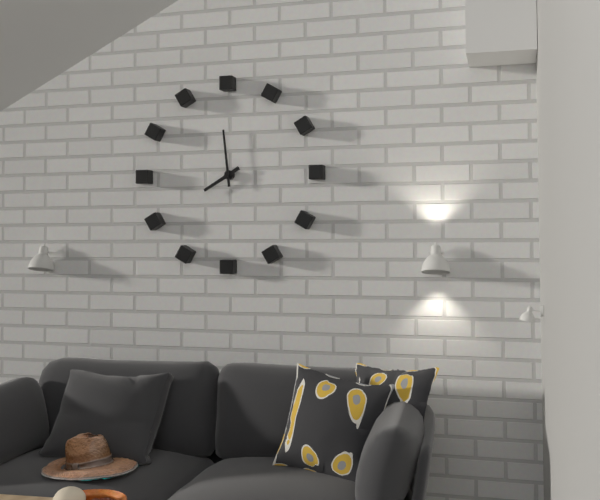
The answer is 7:59
